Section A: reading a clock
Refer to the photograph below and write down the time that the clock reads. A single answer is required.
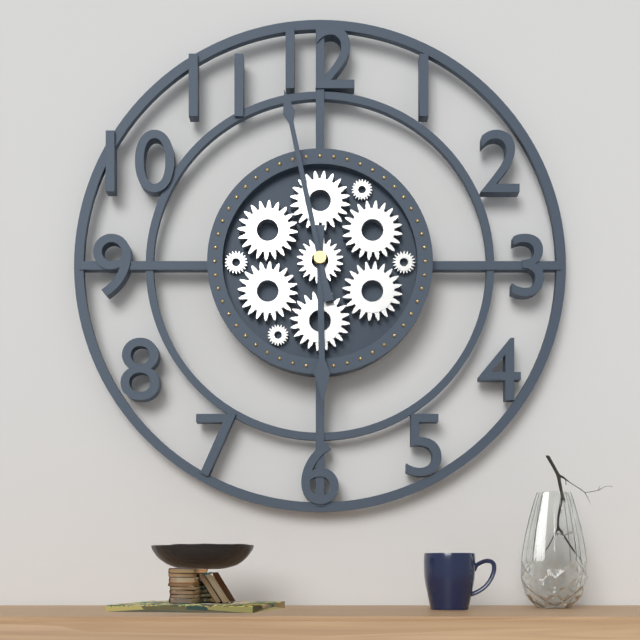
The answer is 5:58
